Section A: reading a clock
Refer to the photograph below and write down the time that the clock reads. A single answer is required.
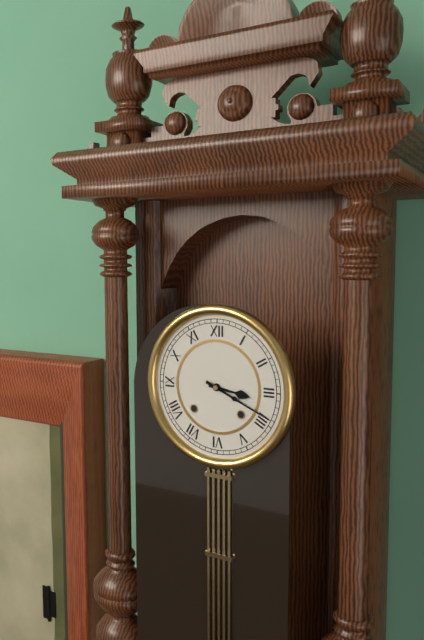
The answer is 3:19
